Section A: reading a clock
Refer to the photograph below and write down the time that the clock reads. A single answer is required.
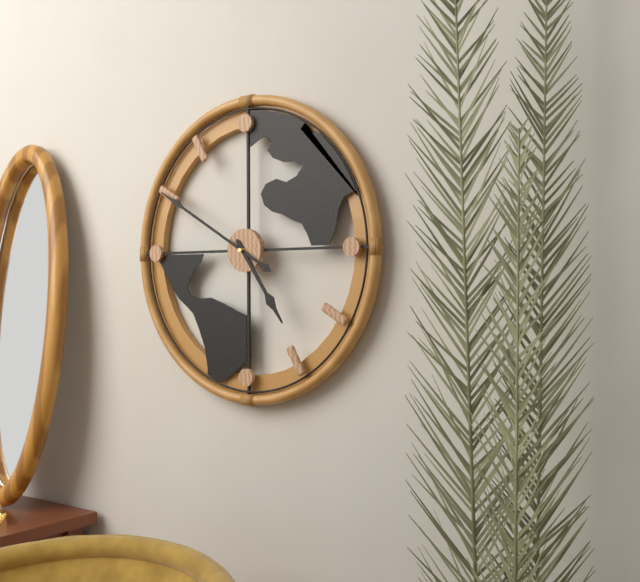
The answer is 4:50
